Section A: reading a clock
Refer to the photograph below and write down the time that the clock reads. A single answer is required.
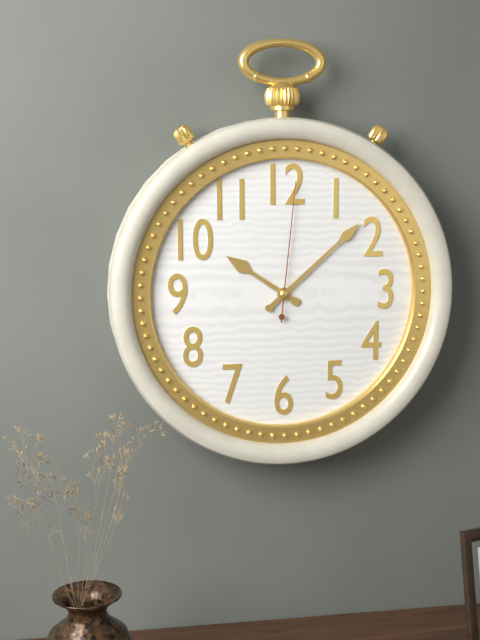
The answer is 10:08:01
